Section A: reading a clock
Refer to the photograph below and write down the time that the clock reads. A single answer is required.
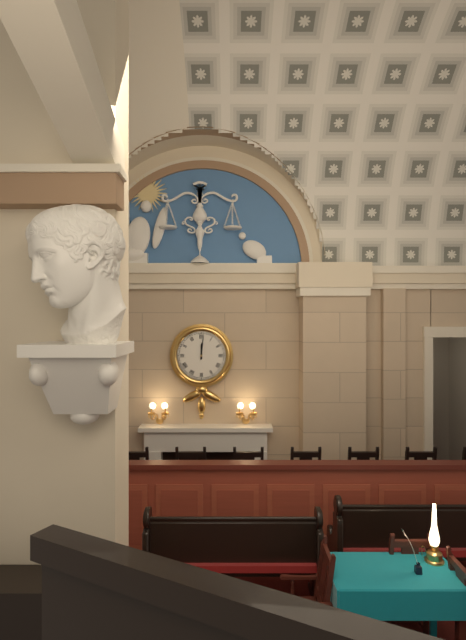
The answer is 12:01
